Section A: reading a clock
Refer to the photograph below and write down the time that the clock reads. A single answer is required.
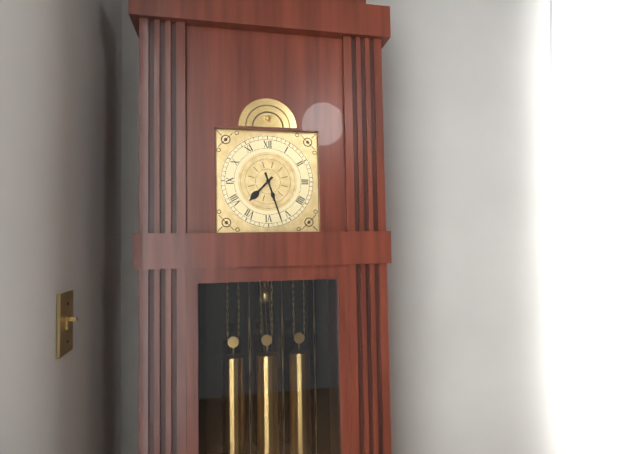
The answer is 7:27
